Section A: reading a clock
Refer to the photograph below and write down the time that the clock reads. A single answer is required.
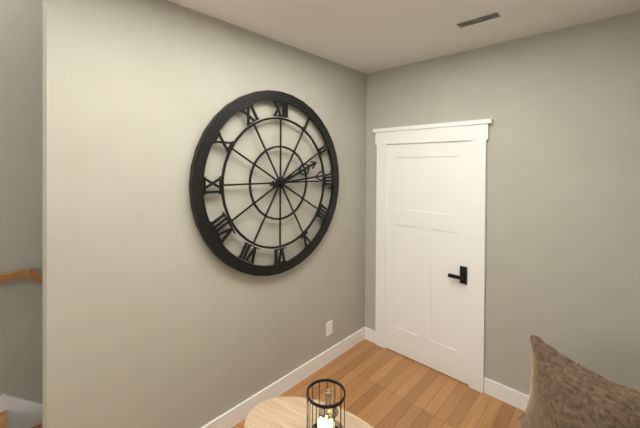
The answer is 2:14
